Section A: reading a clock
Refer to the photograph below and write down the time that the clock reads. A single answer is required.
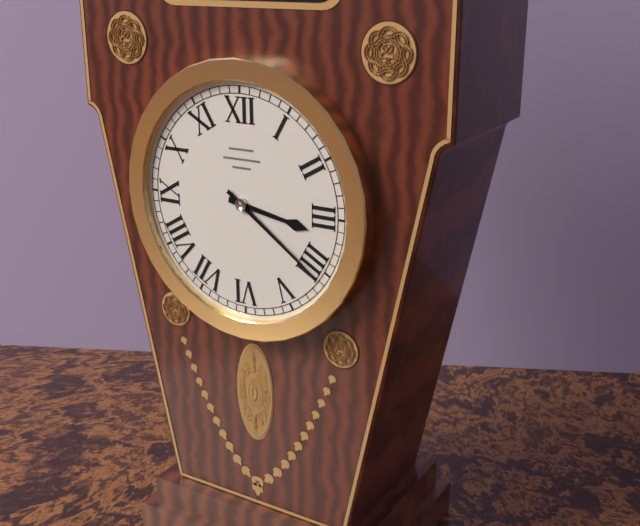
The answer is 3:21
